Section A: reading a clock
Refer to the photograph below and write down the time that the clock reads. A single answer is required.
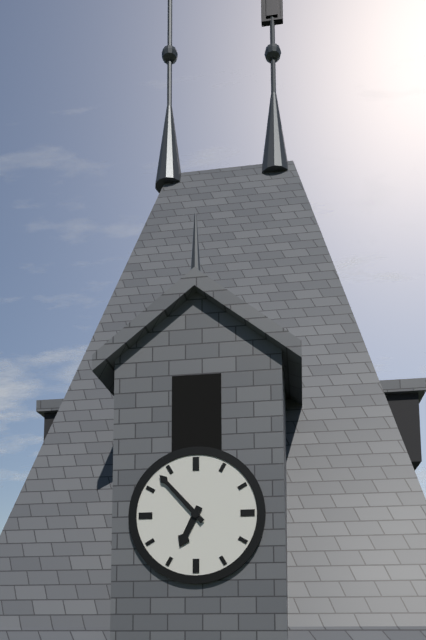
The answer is 6:53
